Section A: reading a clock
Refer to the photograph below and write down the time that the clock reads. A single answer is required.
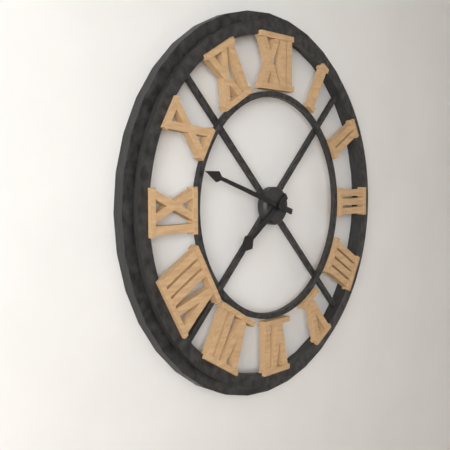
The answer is 7:48
